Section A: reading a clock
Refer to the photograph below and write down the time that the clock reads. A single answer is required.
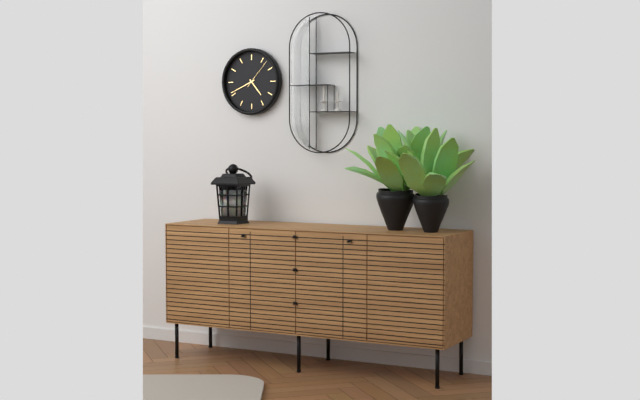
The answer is 4:41
